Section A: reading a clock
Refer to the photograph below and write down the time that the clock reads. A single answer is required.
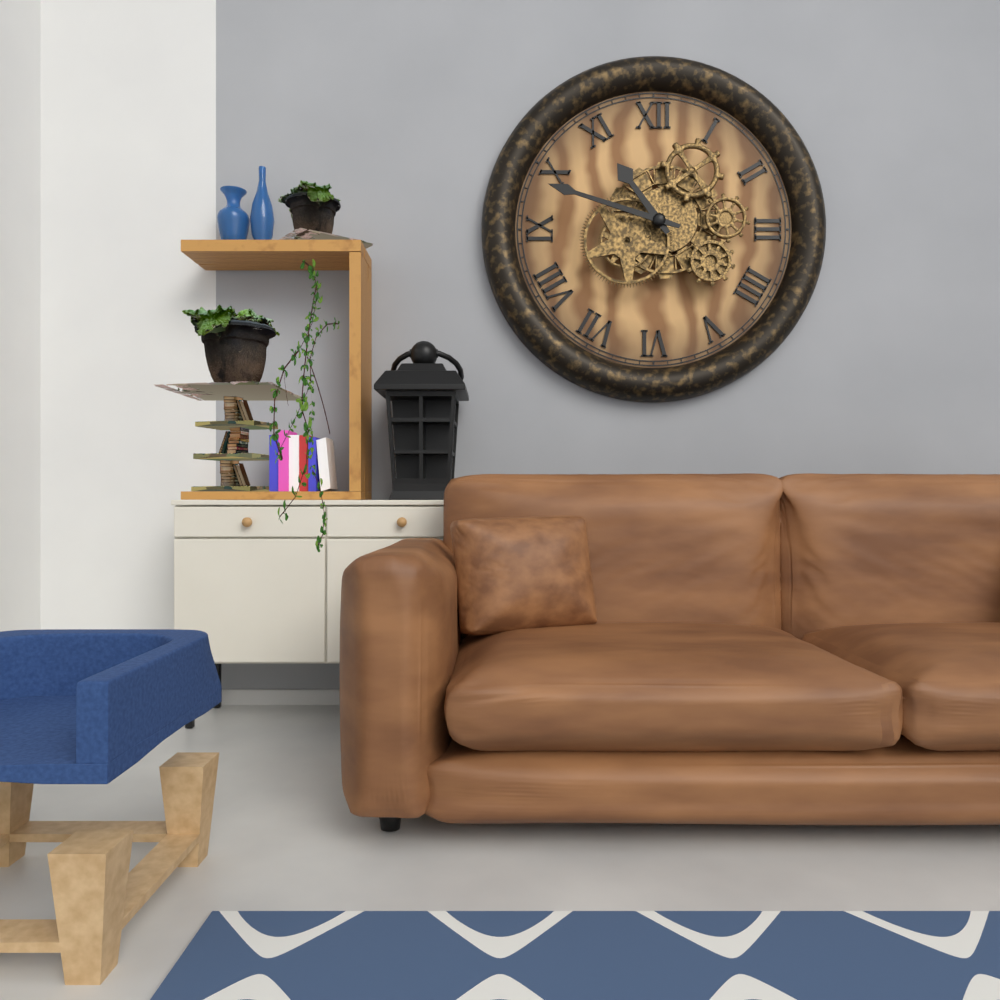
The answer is 10:48
